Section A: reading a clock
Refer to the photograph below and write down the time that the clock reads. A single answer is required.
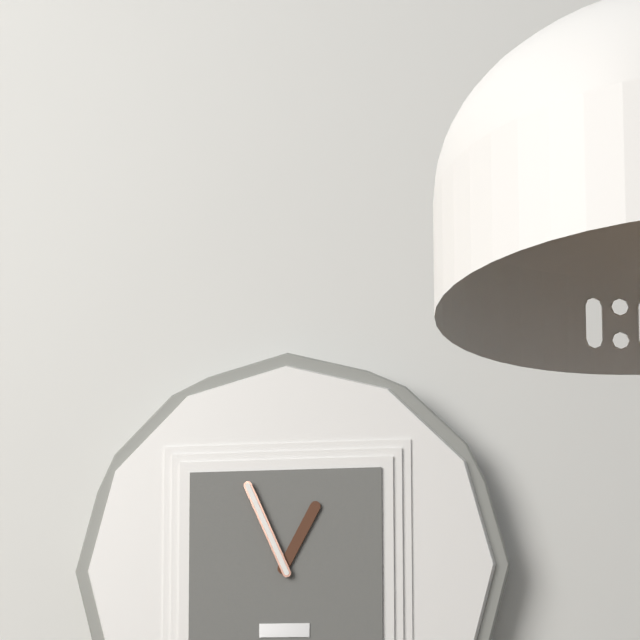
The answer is 12:56
